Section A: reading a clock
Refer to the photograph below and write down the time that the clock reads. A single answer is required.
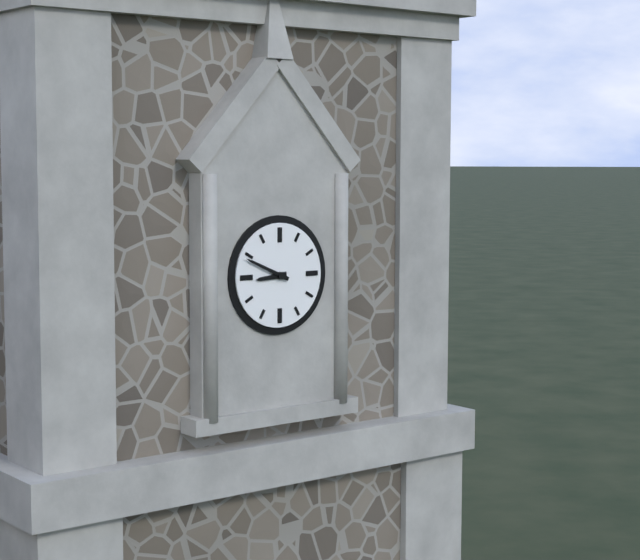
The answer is 8:49
